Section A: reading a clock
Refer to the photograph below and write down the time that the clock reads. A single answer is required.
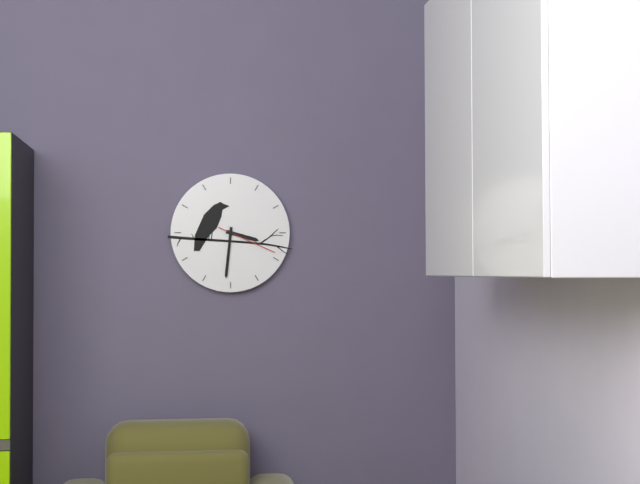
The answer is 3:31:19
